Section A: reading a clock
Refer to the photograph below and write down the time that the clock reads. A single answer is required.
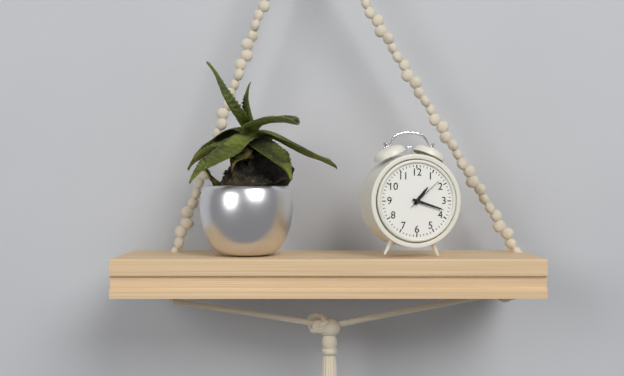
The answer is 1:18
